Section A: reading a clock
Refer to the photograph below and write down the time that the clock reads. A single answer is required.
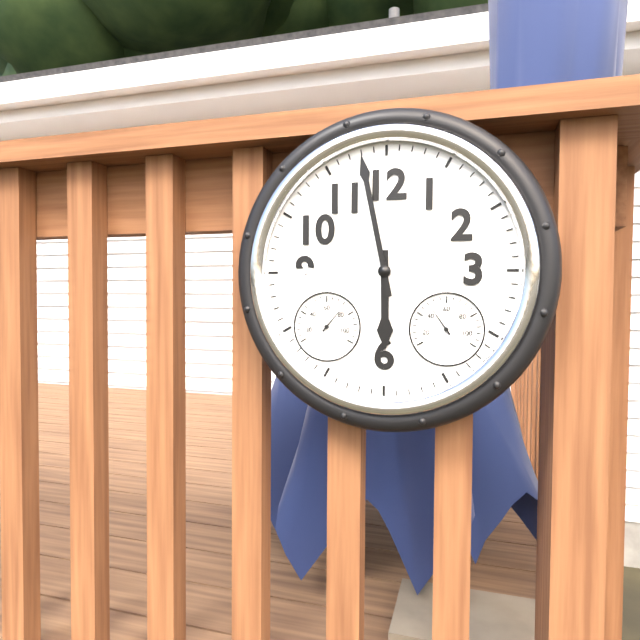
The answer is 5:58
